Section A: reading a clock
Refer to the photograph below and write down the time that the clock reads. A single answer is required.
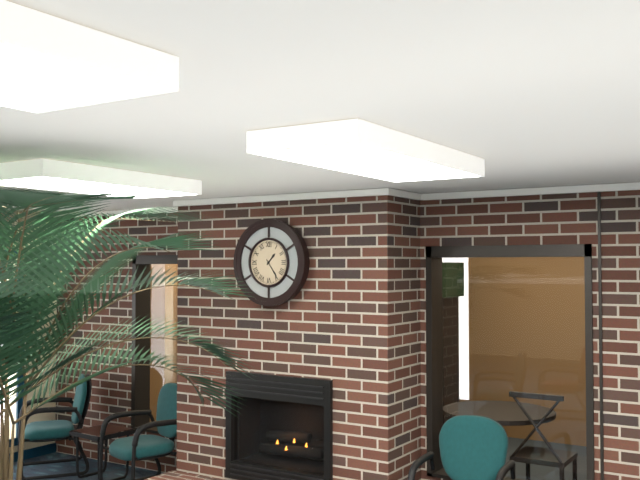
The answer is 1:24
